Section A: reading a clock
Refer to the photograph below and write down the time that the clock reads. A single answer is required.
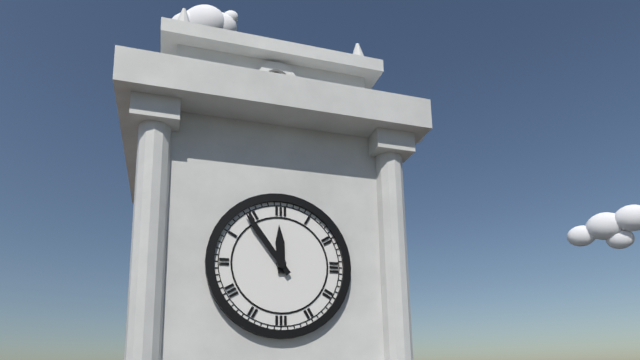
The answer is 11:54
